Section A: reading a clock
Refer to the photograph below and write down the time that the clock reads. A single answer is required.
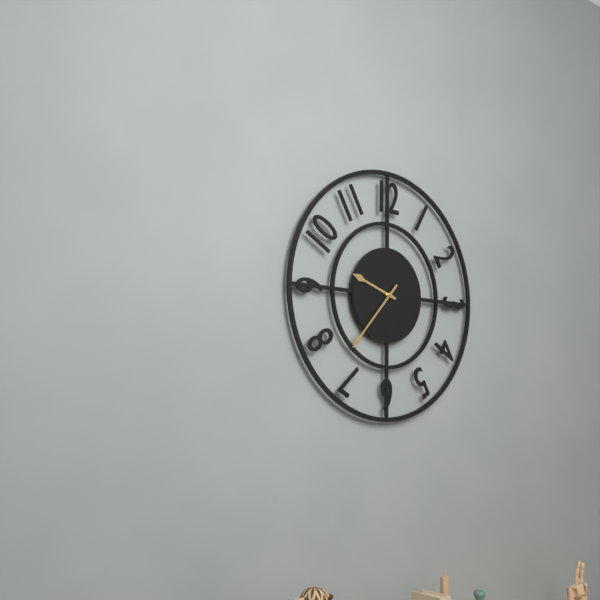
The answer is 9:37
